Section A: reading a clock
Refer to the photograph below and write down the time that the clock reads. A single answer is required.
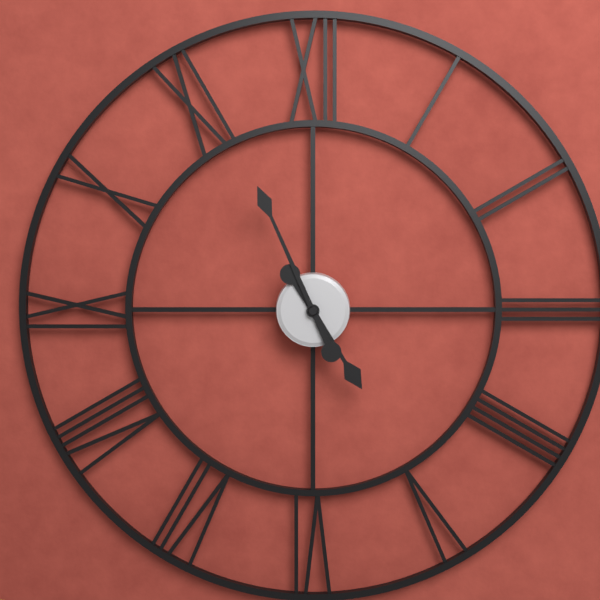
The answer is 4:56
